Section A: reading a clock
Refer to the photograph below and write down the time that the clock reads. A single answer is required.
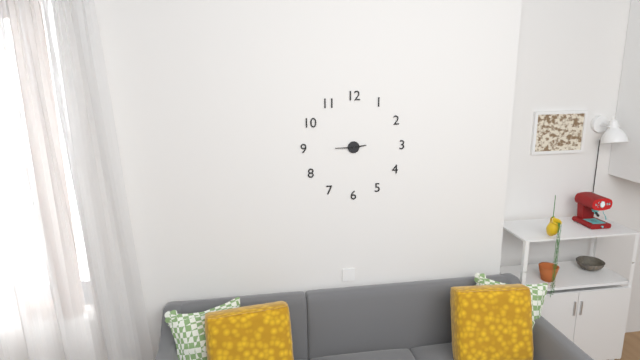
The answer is 2:45
